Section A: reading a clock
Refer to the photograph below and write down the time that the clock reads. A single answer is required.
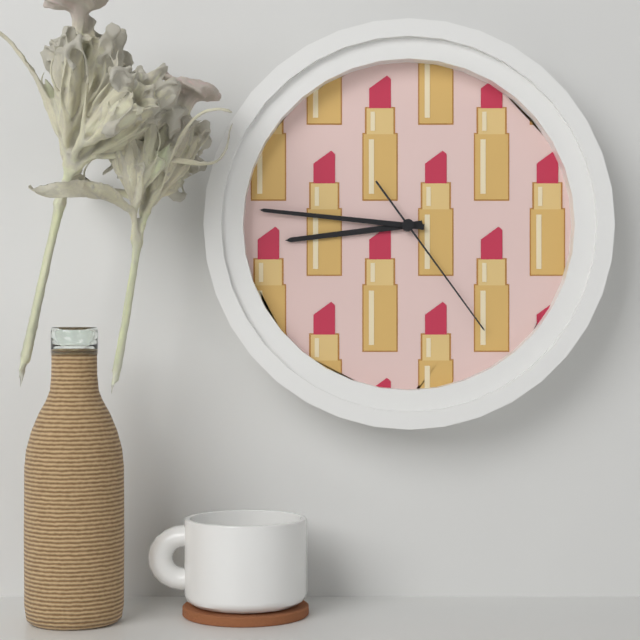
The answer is 8:46:24
